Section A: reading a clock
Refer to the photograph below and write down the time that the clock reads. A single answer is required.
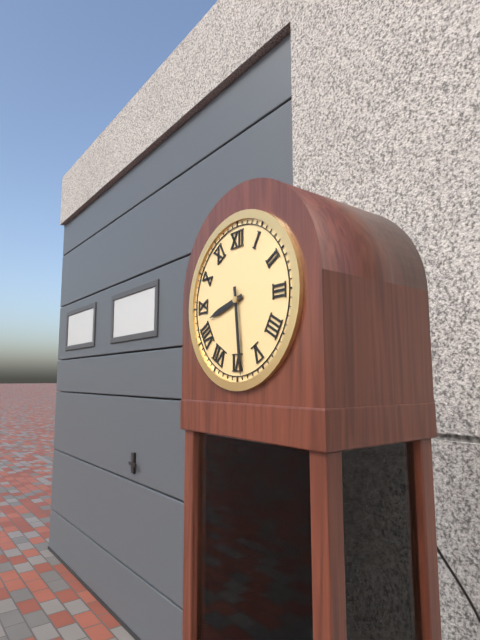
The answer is 8:29
